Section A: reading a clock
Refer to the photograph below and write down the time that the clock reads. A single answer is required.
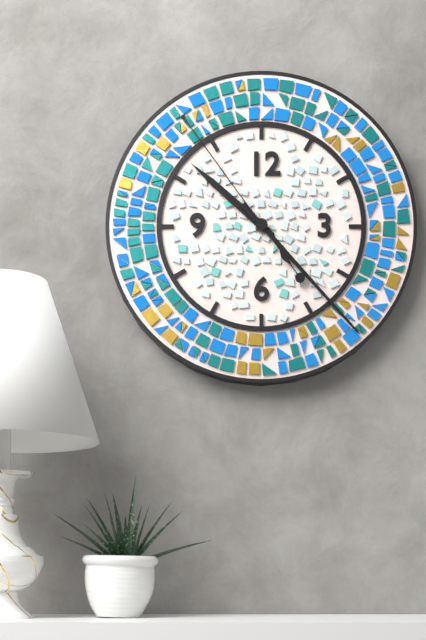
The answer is 10:23:54
